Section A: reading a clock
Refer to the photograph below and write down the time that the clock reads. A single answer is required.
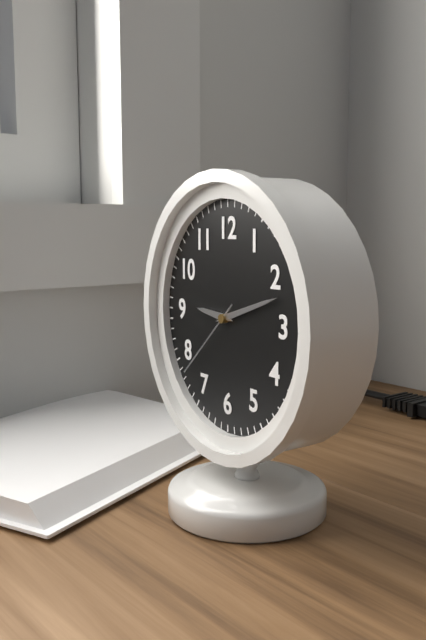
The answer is 9:12:38
